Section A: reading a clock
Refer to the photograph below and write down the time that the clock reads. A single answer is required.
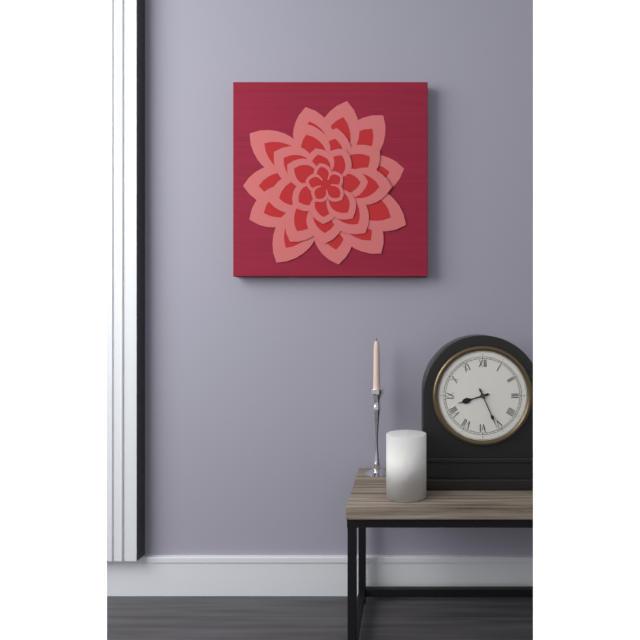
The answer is 8:26
